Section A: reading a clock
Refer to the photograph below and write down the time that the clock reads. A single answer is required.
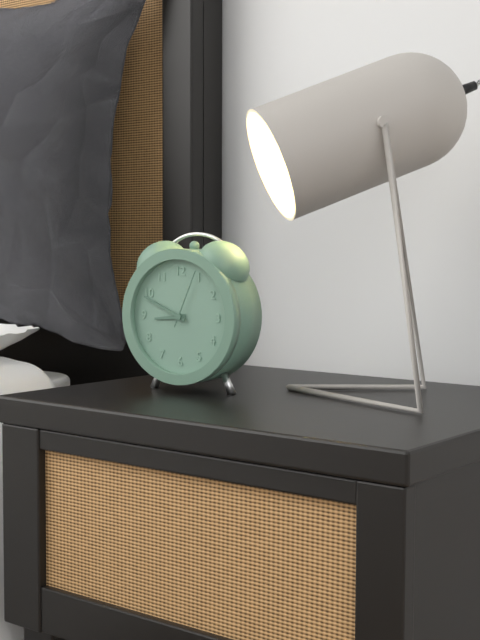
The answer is 8:49:04
